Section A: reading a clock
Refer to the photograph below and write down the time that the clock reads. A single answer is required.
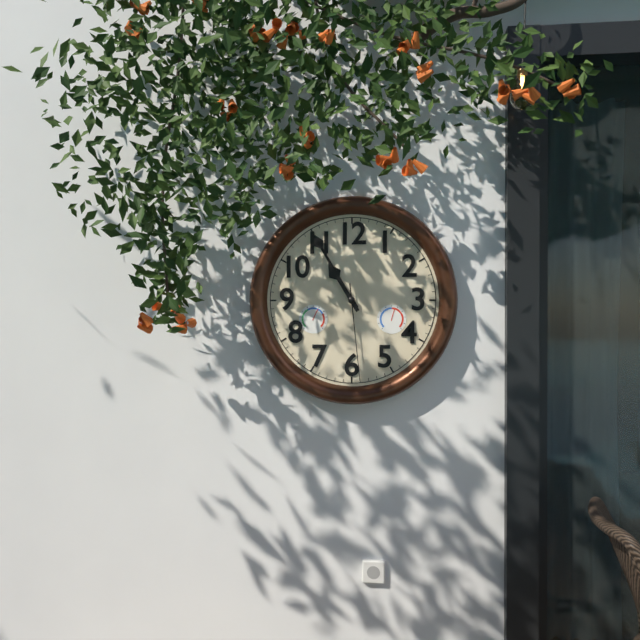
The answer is 10:55:29
